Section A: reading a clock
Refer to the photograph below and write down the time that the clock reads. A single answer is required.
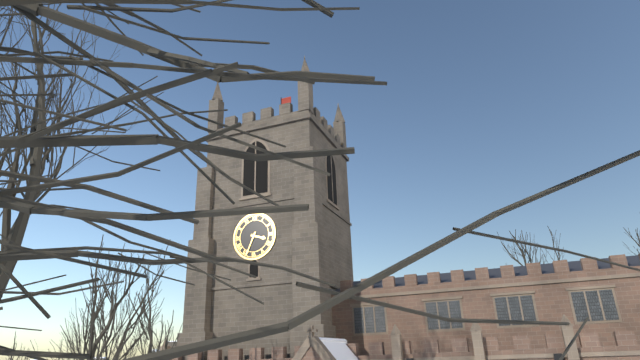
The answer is 3:34
